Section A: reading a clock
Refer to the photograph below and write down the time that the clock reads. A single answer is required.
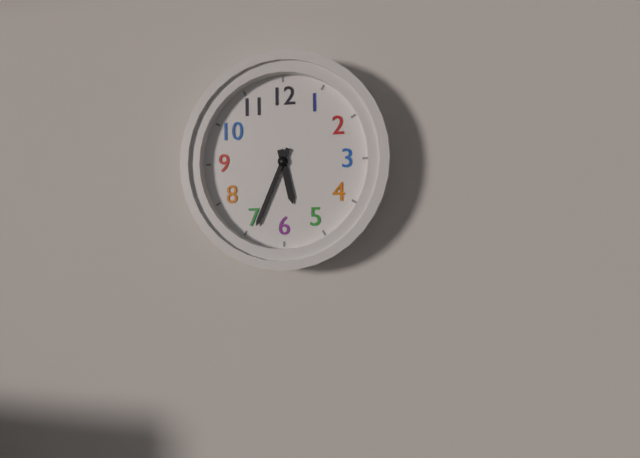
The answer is 5:34
